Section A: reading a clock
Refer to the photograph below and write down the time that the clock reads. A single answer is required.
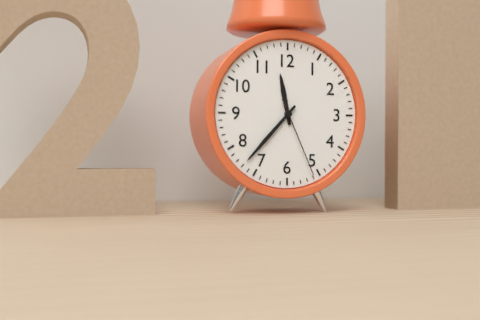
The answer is 11:37:26
